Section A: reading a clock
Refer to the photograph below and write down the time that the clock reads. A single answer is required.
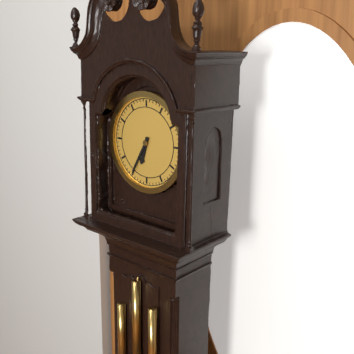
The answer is 6:35
